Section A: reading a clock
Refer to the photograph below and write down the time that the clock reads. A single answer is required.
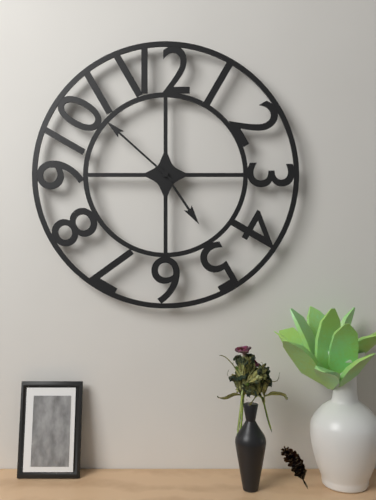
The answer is 4:52
